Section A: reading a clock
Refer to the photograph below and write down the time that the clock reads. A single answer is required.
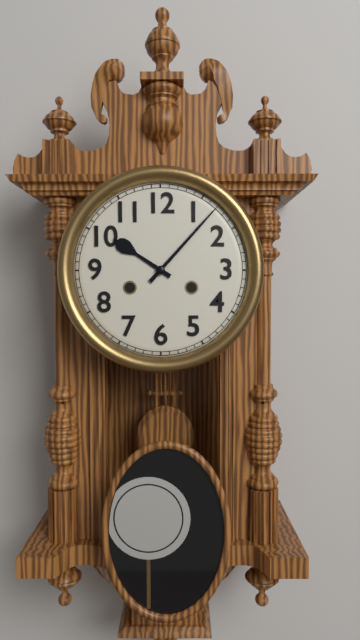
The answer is 10:07
